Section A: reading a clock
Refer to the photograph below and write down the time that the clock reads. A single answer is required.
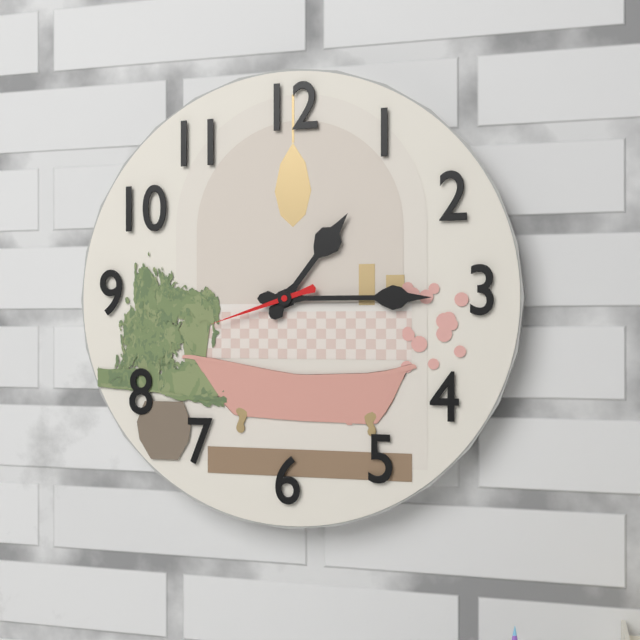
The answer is 1:15:42
